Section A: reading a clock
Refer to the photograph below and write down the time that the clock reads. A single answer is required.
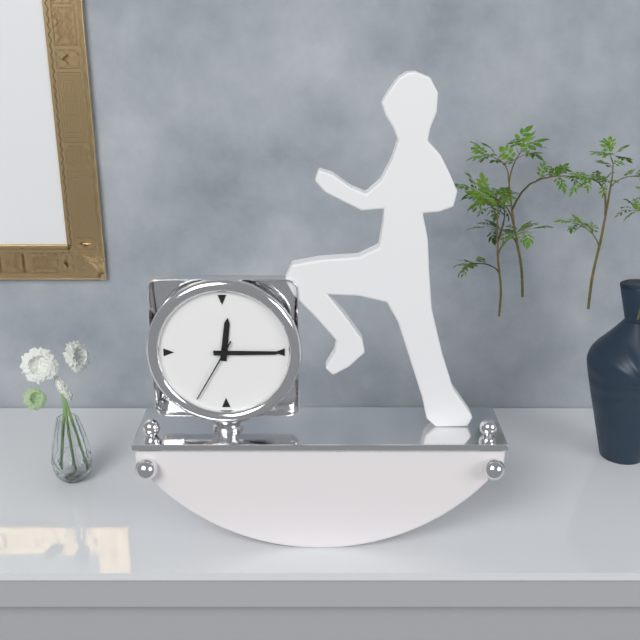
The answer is 12:15:35
